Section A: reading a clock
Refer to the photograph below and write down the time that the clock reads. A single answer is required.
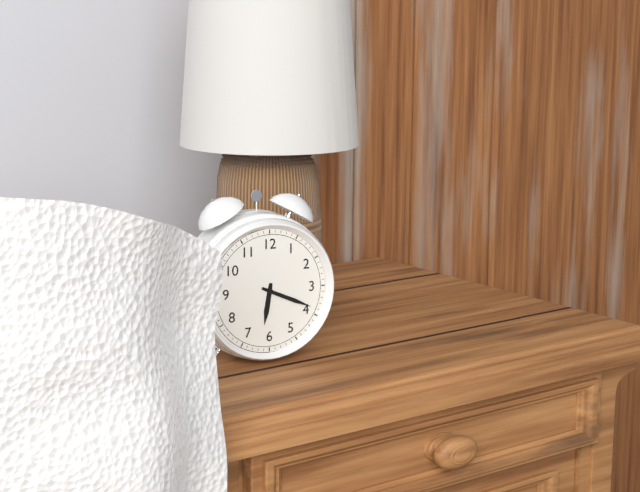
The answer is 6:19
